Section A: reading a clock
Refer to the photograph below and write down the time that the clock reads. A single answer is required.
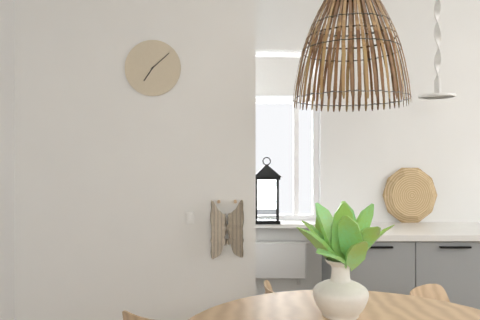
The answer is 7:08
